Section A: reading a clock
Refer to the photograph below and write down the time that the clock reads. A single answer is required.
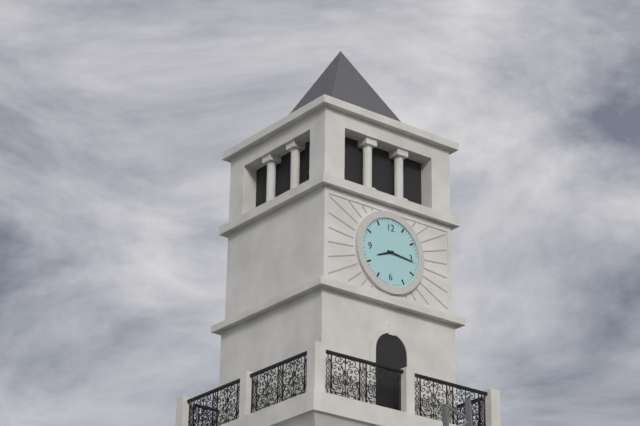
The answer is 8:16
